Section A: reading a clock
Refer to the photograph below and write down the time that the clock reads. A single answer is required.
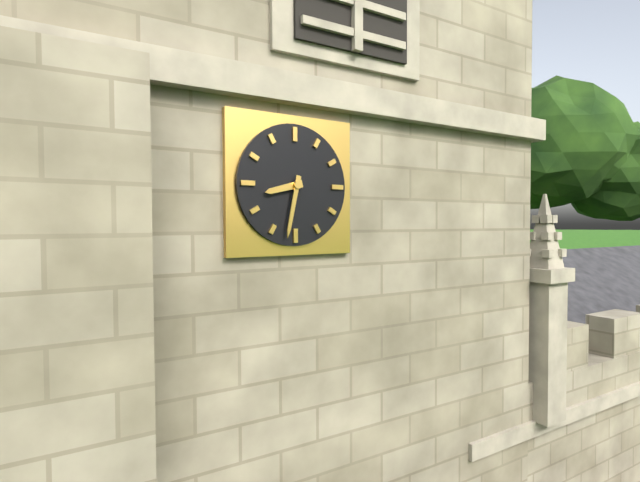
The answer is 8:32
